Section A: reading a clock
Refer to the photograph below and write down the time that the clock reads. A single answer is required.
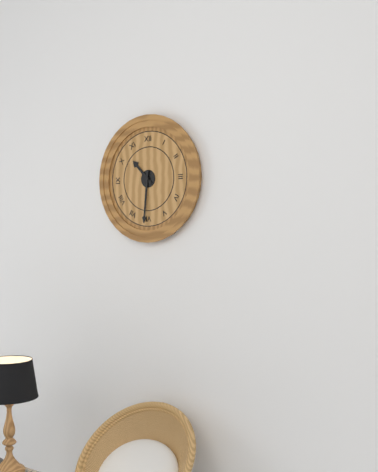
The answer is 10:31
